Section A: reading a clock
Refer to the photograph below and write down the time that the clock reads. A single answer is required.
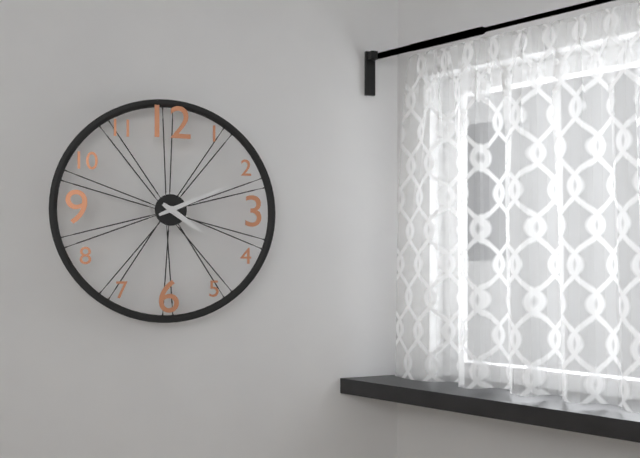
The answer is 4:11
